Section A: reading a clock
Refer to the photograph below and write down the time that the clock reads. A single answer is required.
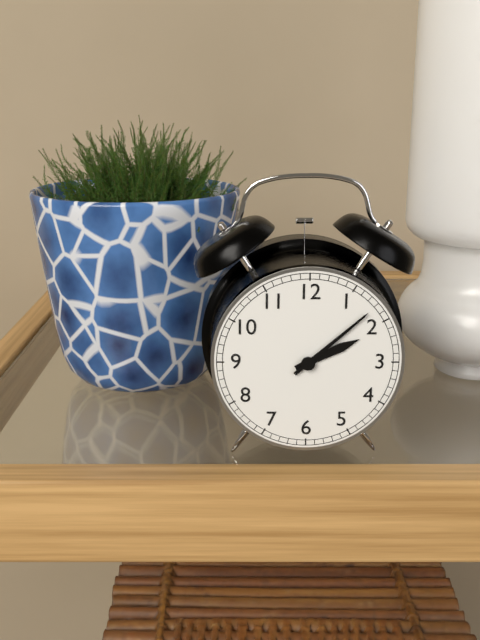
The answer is 2:08
